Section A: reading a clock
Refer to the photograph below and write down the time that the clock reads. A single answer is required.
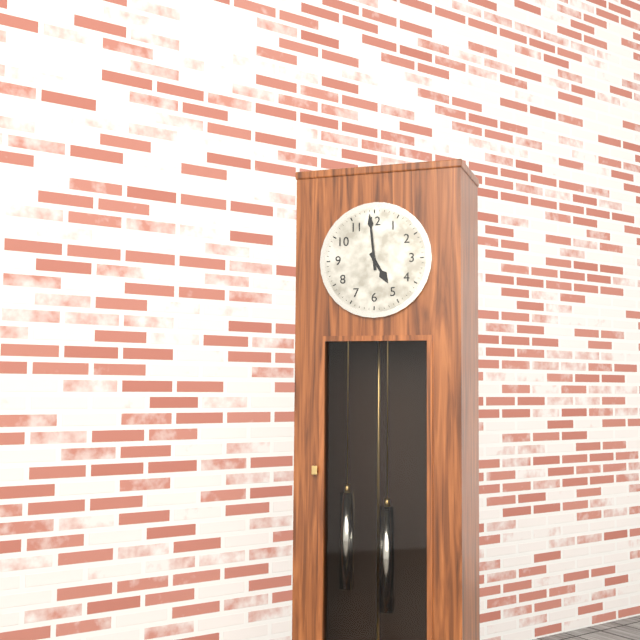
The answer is 4:59
